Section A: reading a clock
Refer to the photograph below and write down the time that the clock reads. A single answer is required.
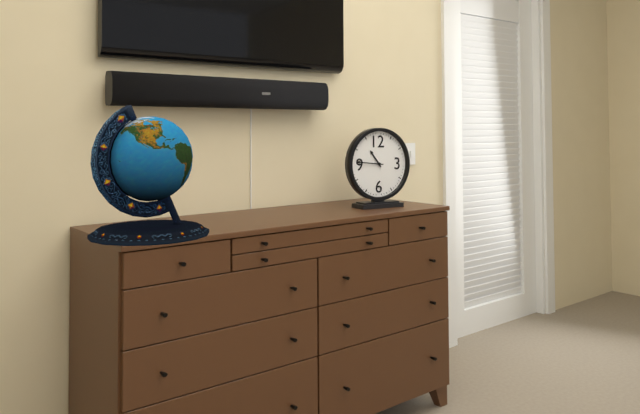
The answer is 10:46
